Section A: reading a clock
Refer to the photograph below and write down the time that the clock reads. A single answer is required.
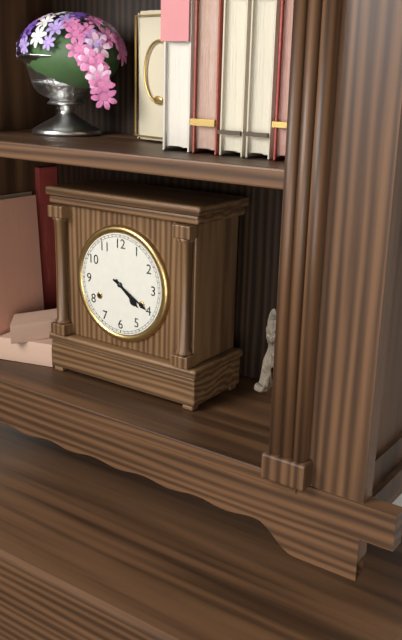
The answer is 4:20
